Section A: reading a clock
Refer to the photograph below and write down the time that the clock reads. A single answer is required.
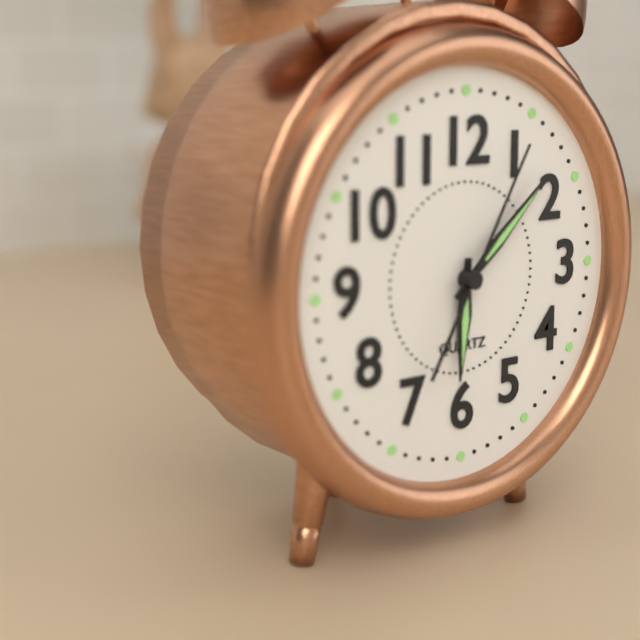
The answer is 6:08:05
